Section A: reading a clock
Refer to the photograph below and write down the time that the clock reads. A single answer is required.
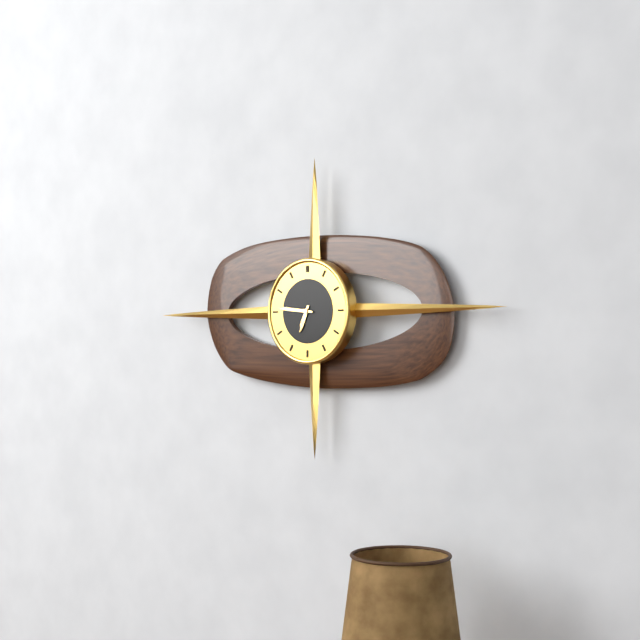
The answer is 6:46
